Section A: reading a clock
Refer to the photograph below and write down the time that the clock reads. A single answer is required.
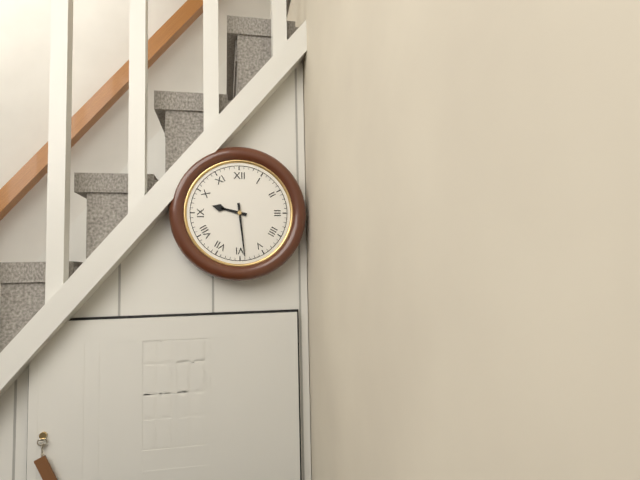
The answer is 9:29
